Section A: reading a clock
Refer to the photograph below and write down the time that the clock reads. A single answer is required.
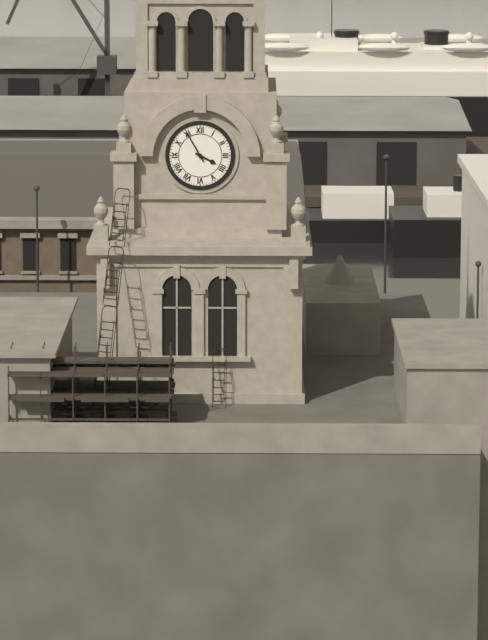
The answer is 3:55
